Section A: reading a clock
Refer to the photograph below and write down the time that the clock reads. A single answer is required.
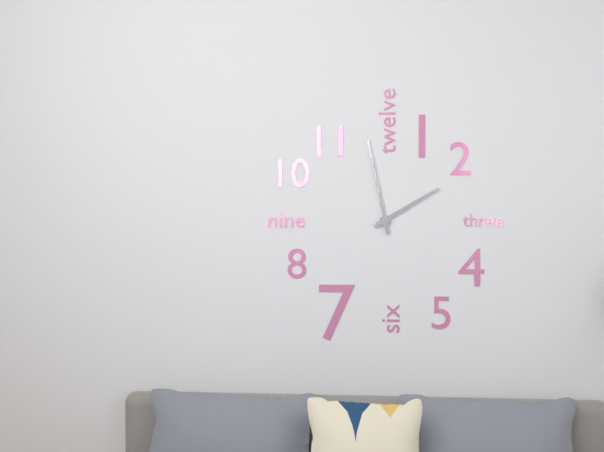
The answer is 1:58
